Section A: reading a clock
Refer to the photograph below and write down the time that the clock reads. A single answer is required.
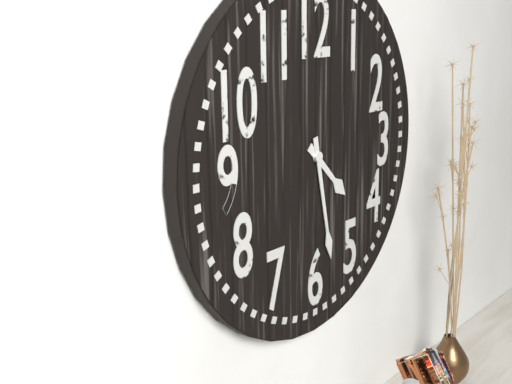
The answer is 4:28
